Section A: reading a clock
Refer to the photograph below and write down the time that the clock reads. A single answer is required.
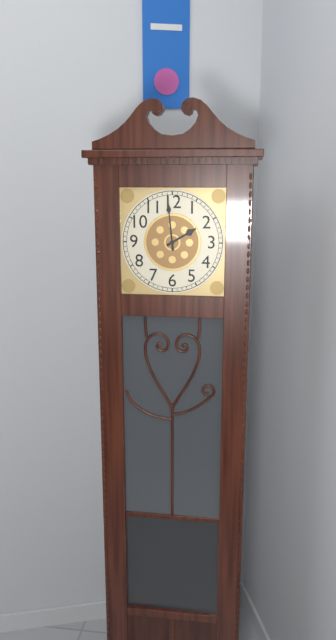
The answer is 1:59
